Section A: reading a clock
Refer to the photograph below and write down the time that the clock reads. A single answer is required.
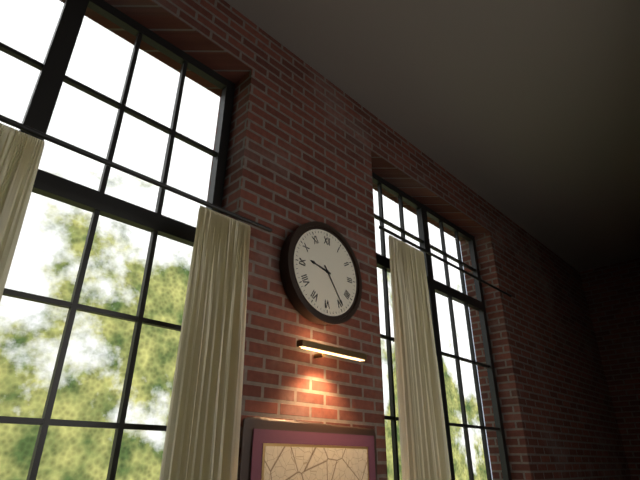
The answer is 9:24
